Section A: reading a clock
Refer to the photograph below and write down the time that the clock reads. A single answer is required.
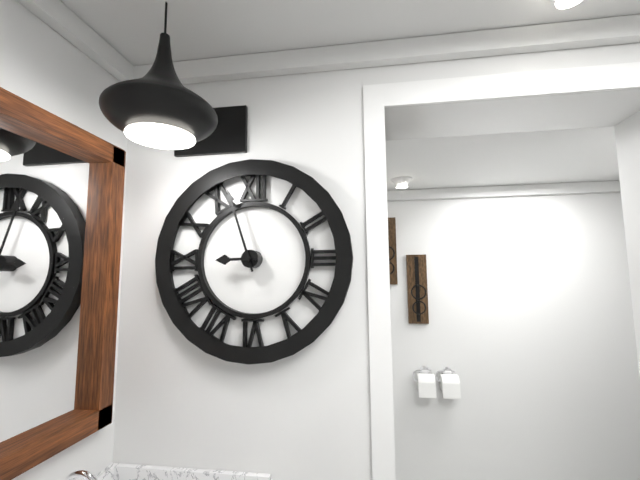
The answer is 8:57
